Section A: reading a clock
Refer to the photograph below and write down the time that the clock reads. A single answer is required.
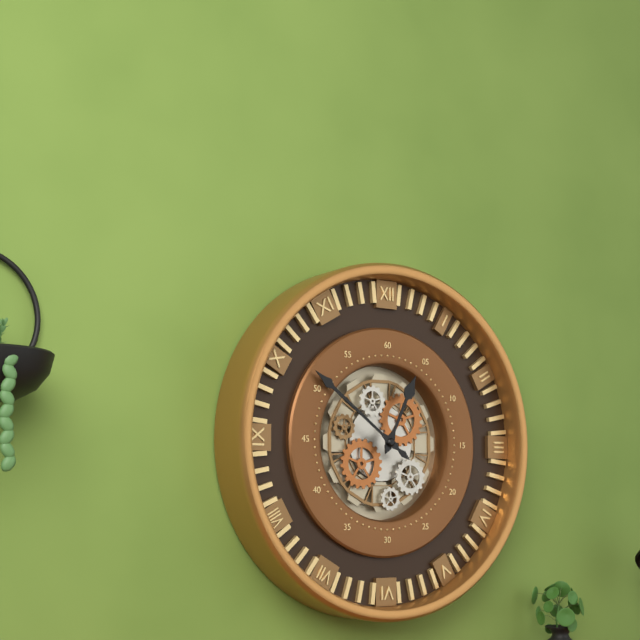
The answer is 12:51
